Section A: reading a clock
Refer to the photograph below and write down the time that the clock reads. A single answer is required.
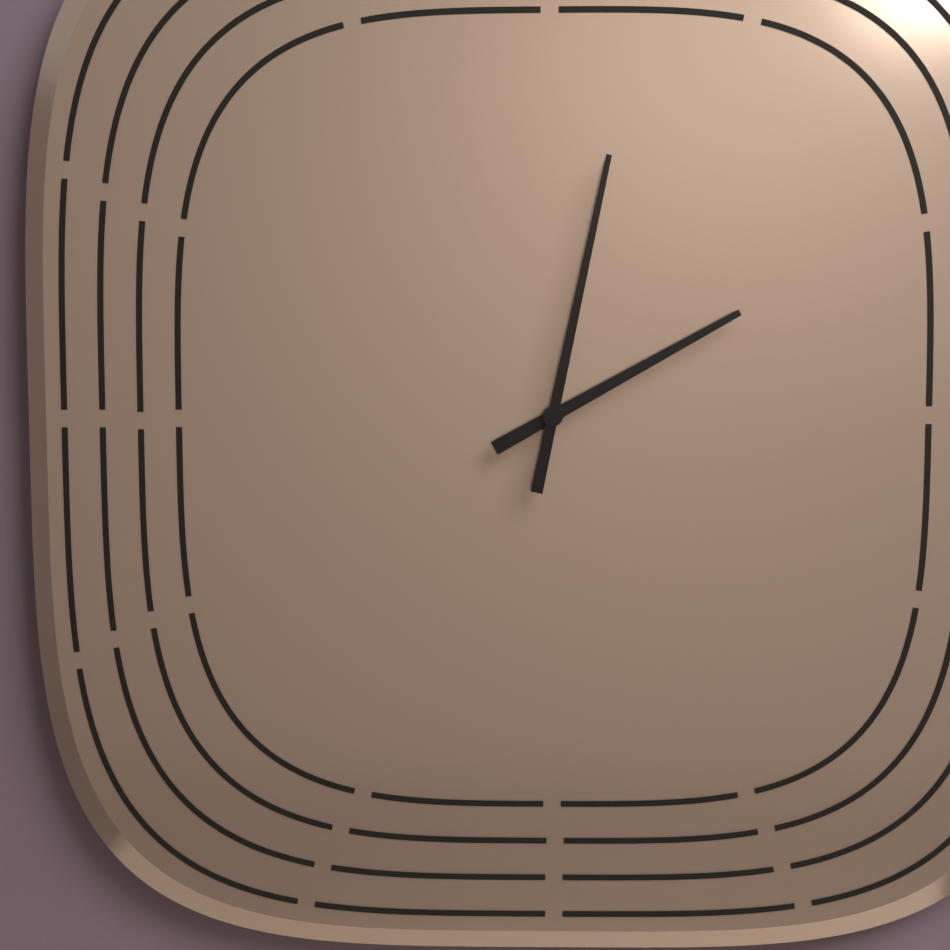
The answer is 2:02
